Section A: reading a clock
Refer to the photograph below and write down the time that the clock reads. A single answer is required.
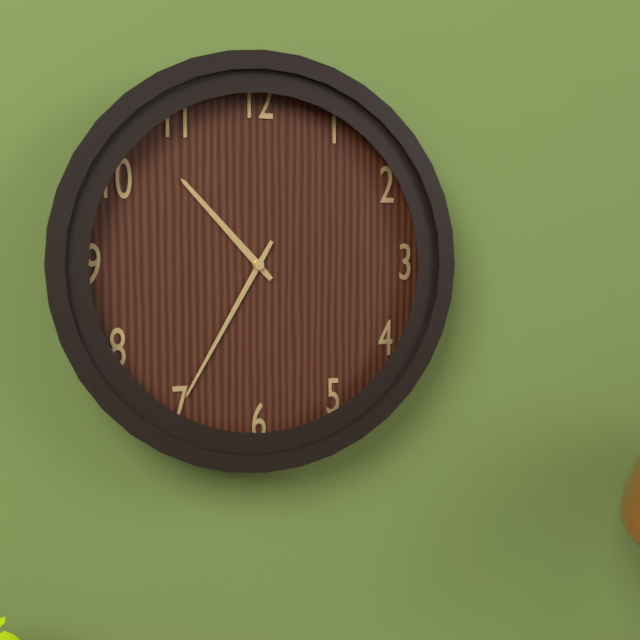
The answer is 10:35
